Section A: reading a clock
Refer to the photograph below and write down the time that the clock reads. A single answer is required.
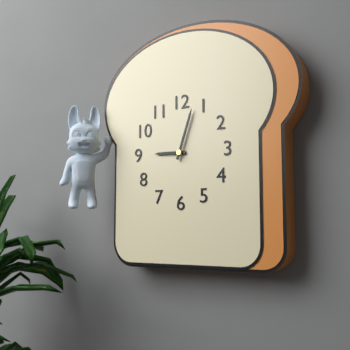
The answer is 9:03
